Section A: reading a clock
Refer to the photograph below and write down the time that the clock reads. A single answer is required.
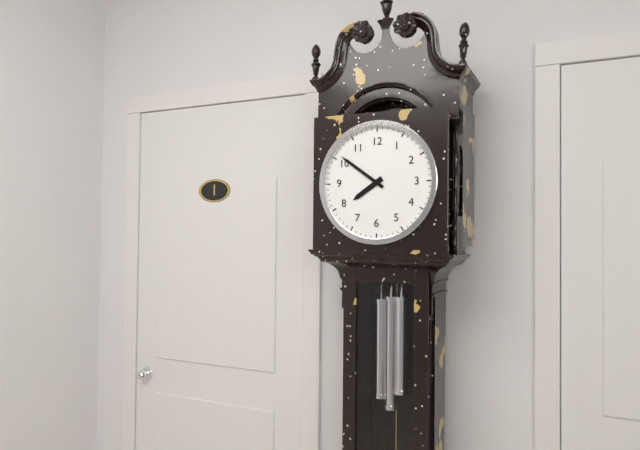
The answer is 7:51
